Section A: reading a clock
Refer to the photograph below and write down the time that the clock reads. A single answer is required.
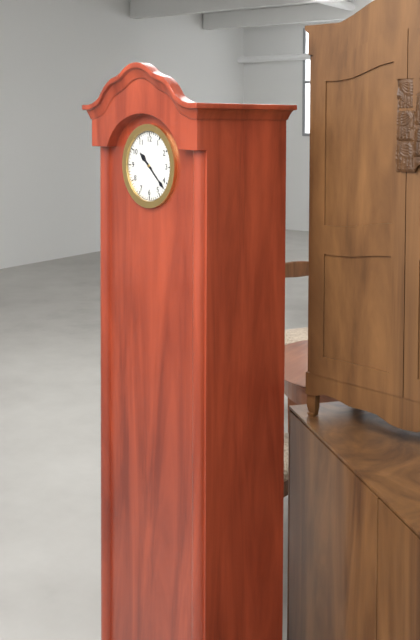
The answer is 10:22
